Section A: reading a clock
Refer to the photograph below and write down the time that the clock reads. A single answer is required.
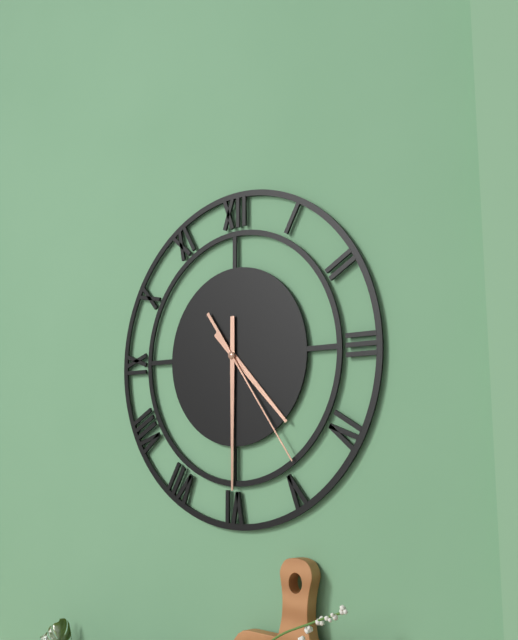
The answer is 4:30:24
